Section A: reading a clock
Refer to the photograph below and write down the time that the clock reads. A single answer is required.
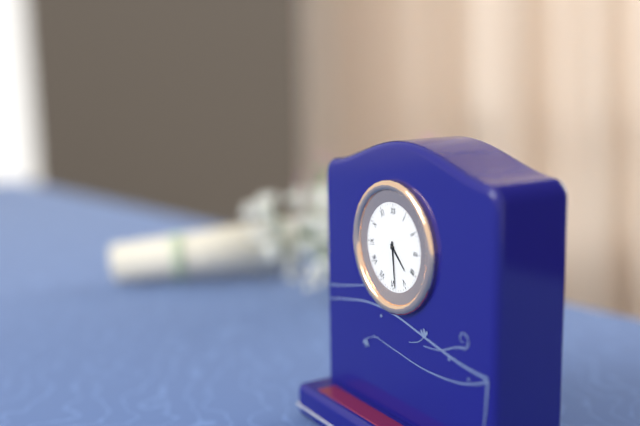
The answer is 4:29
